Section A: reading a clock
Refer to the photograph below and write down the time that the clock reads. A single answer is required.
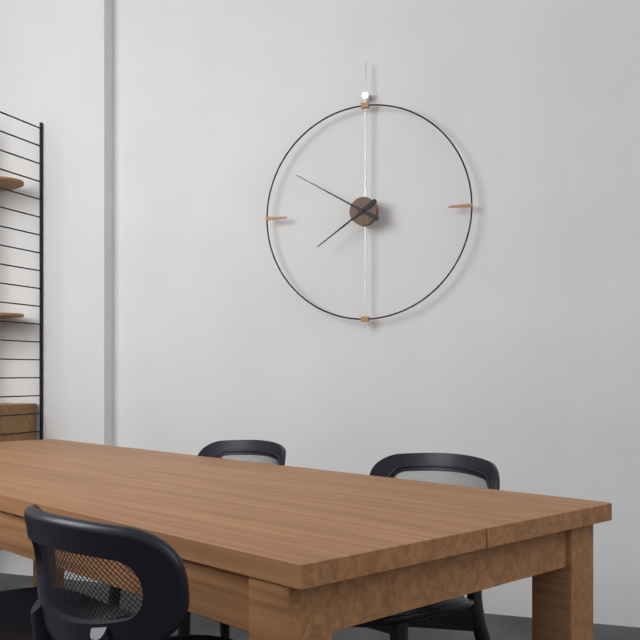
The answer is 7:50
